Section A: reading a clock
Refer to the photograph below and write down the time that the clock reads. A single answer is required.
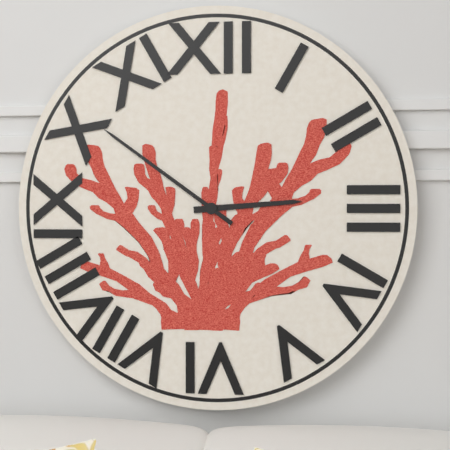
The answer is 2:51
